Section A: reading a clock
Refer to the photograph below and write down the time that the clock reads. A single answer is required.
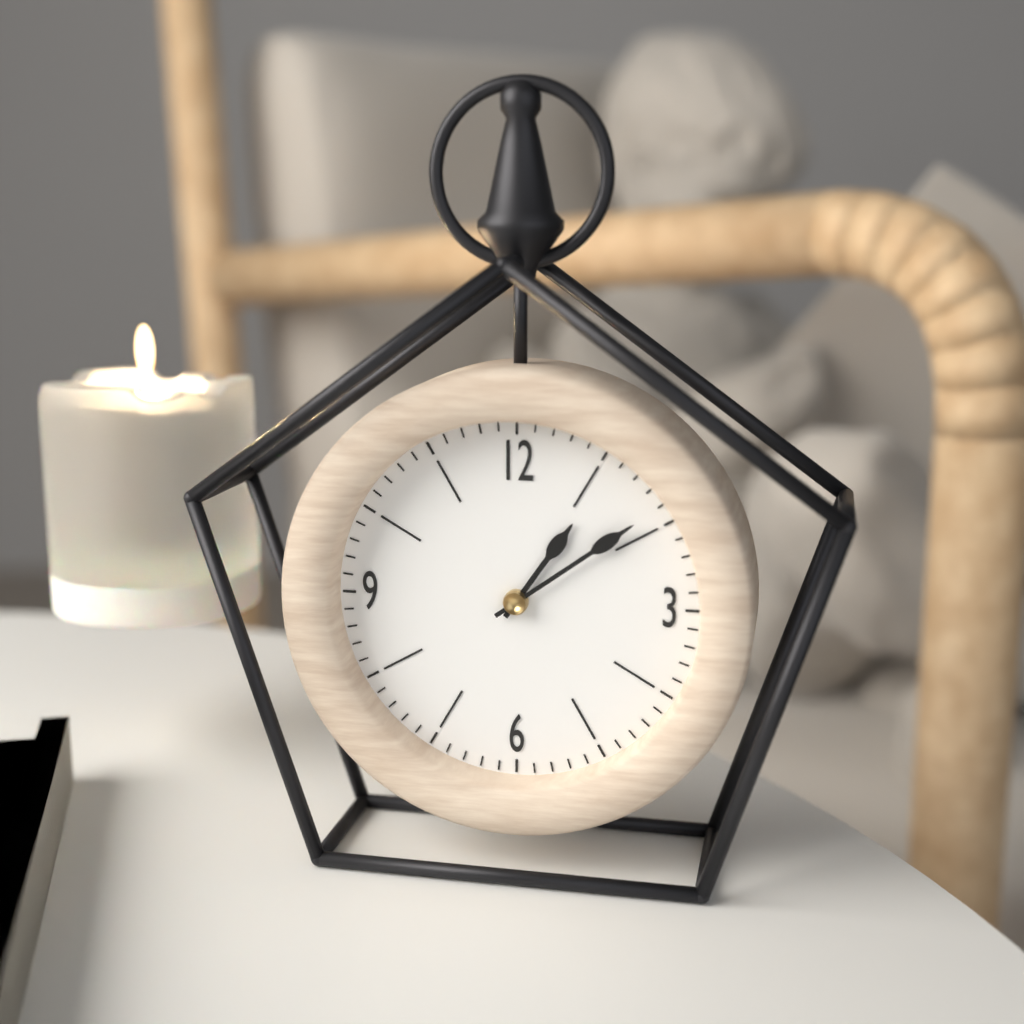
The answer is 1:09
